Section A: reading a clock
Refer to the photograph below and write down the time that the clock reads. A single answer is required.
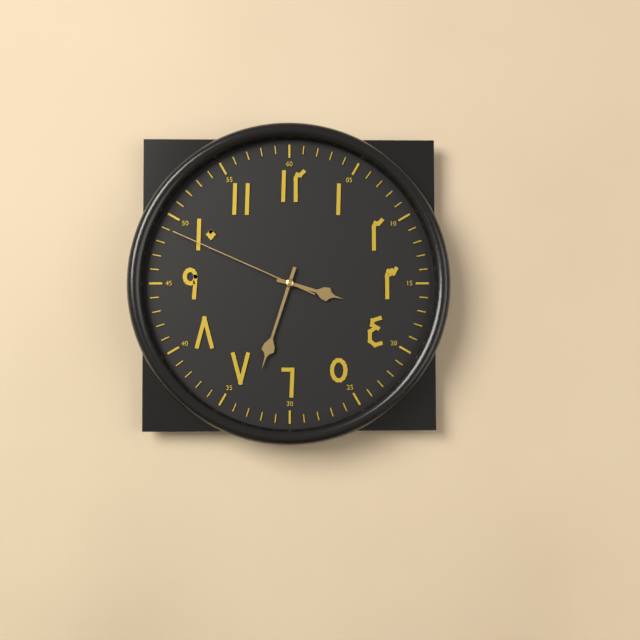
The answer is 3:33:49
